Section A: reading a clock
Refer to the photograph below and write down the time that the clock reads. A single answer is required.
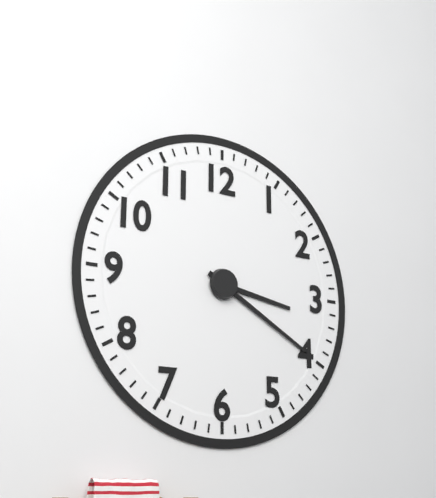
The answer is 3:20
